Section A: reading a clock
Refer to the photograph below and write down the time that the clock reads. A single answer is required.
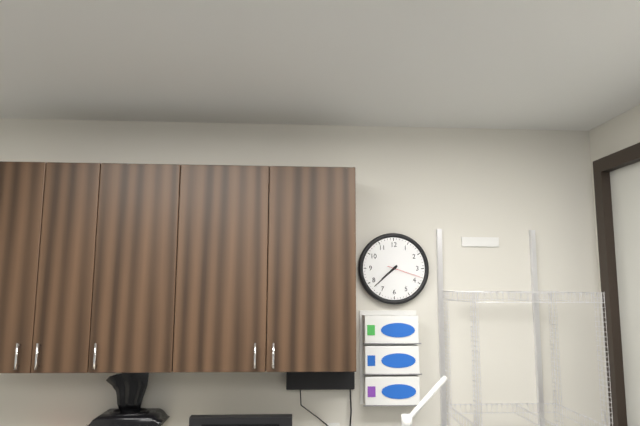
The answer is 7:38
